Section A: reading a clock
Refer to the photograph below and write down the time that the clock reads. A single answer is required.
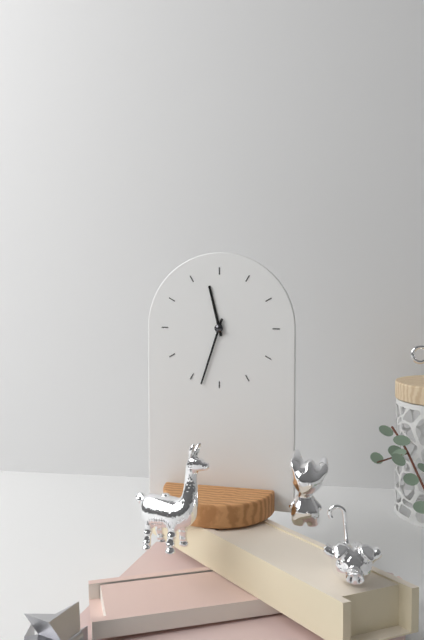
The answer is 11:33
